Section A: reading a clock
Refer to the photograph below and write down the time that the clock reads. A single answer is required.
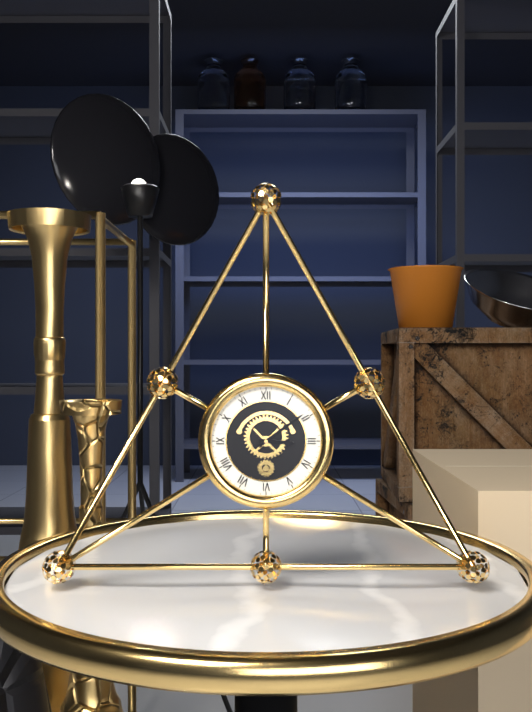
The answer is 3:09
